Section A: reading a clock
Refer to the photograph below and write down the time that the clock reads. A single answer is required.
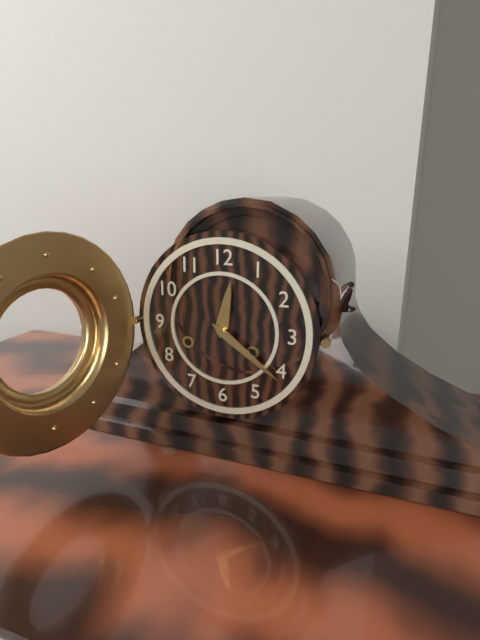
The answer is 12:21
